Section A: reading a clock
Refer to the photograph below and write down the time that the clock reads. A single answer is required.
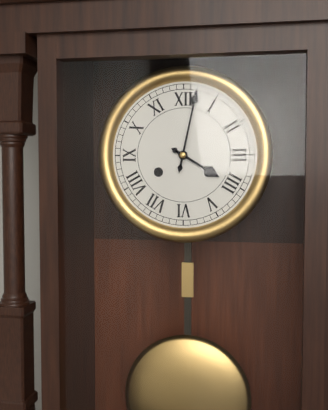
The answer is 4:02
